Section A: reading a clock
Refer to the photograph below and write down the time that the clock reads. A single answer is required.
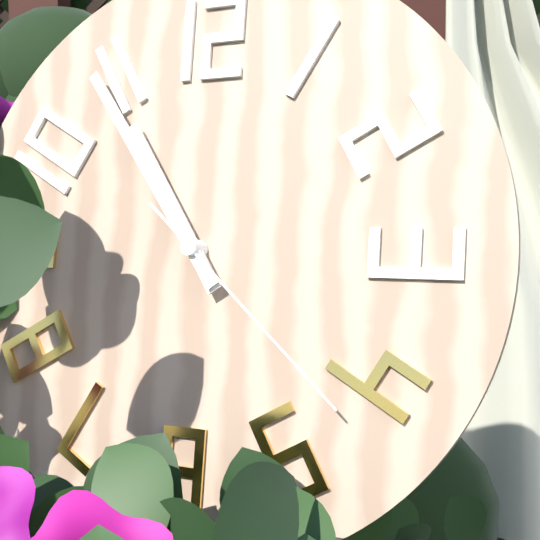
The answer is 10:54:22
